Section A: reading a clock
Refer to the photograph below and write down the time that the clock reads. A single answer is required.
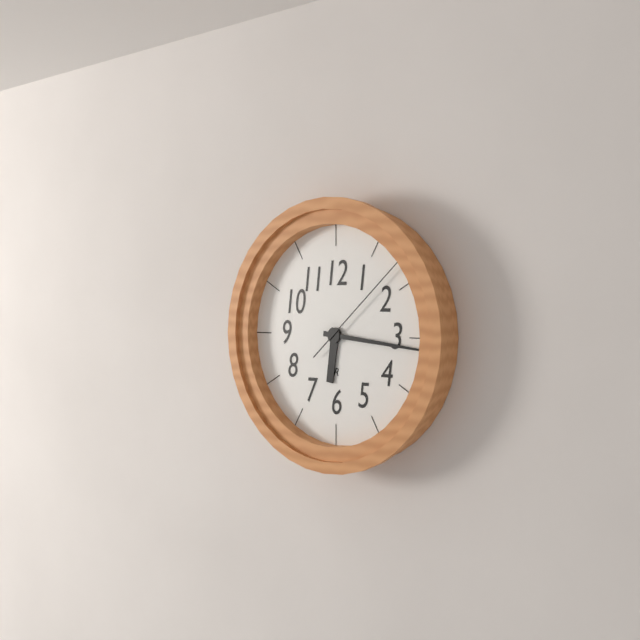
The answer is 6:16:08
